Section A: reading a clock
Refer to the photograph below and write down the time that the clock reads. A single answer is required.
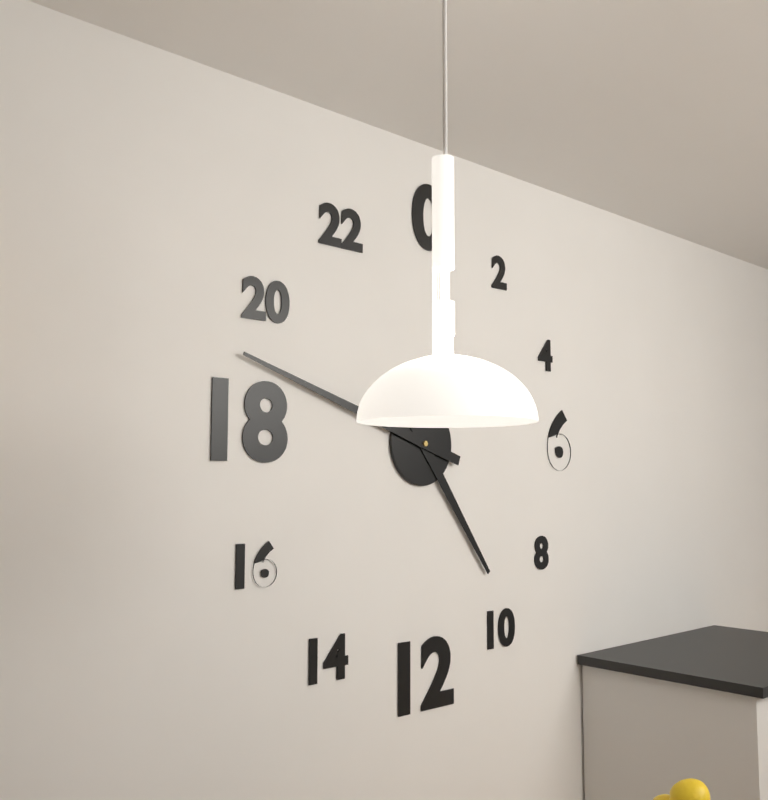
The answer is 4:48
